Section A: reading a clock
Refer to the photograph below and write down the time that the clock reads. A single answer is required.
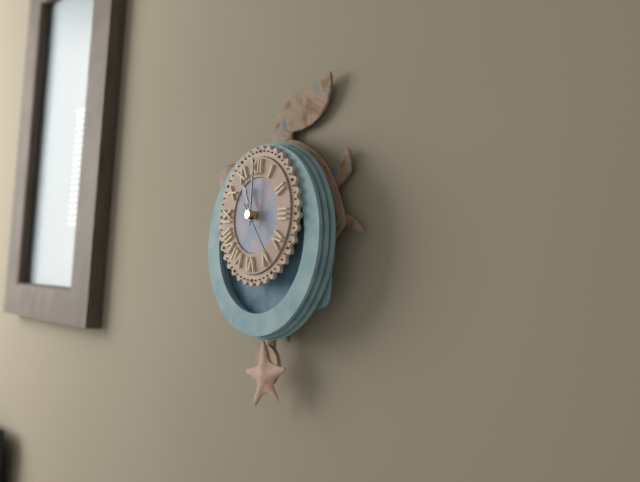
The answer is 11:00:23
